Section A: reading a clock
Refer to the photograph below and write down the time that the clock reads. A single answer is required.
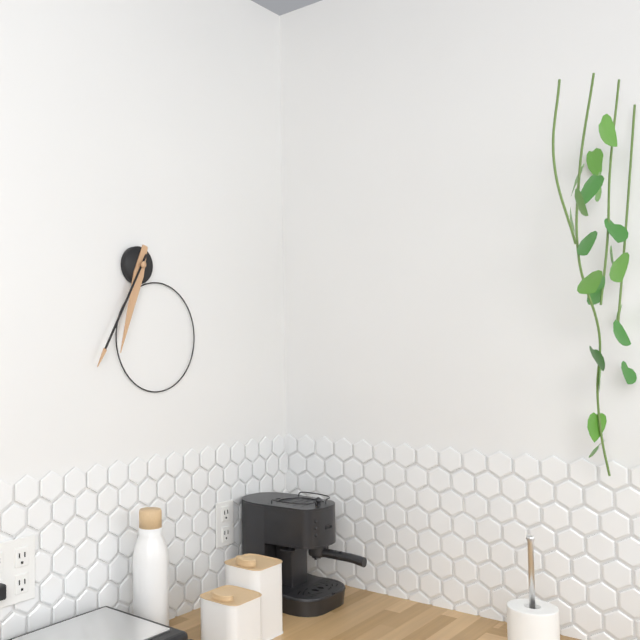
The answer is 6:35
